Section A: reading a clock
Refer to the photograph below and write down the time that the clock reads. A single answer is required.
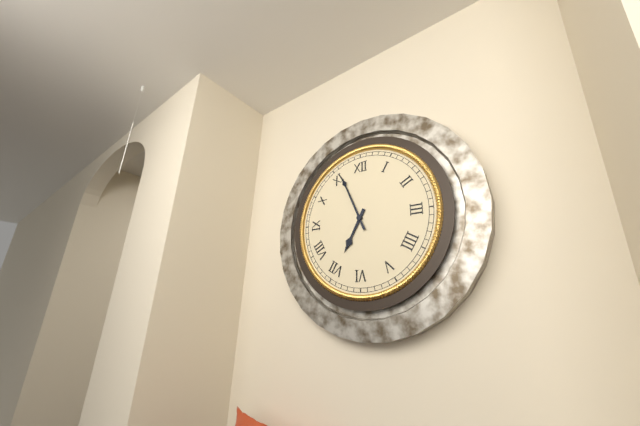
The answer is 6:56
